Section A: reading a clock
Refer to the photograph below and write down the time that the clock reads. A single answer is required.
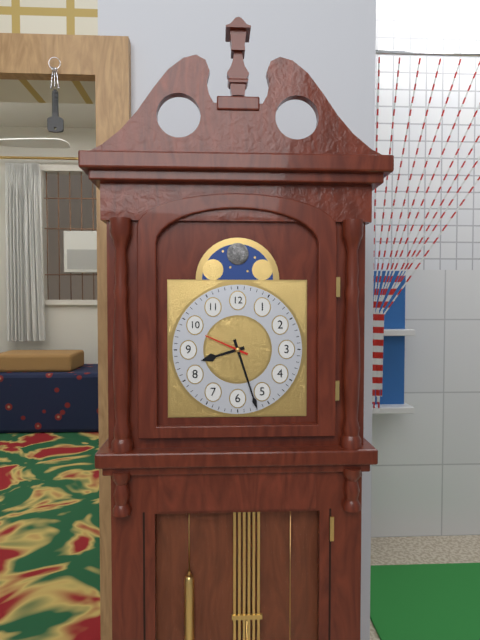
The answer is 8:27
